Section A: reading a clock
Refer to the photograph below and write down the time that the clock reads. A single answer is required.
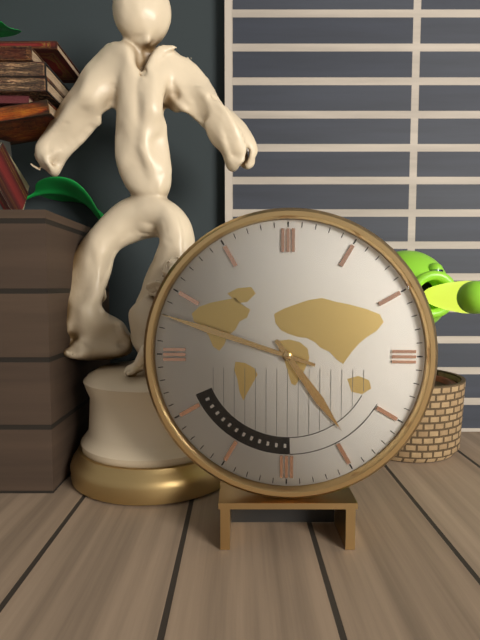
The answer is 4:48
